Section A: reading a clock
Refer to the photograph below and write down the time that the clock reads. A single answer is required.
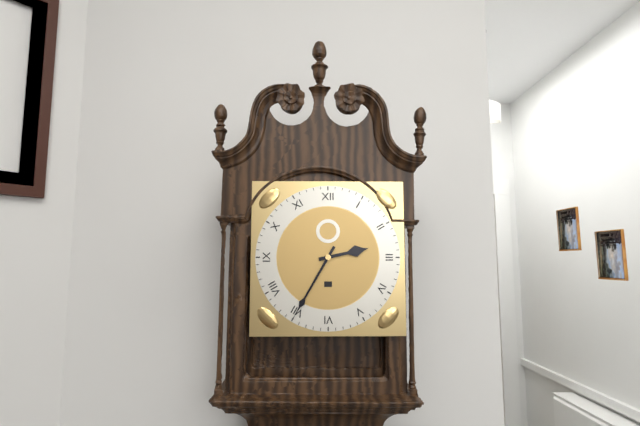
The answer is 2:35
